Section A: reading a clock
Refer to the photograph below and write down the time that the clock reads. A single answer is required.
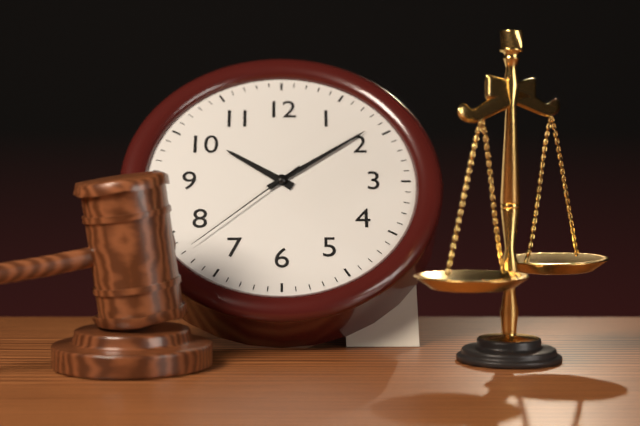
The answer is 10:09:38
